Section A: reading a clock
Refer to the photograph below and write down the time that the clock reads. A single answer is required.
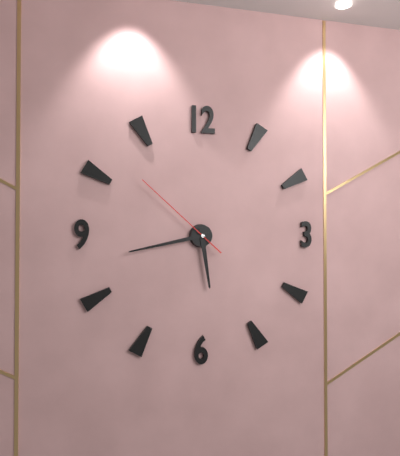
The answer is 5:43:52
